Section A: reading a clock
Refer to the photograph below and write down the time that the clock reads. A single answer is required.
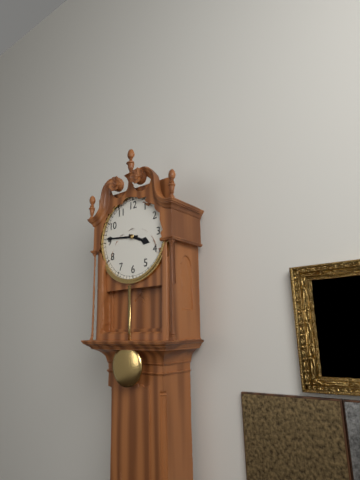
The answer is 3:46
